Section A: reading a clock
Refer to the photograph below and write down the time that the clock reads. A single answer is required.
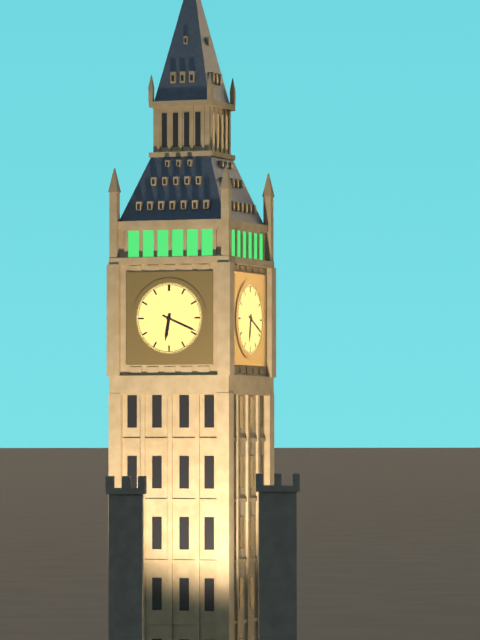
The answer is 6:19
